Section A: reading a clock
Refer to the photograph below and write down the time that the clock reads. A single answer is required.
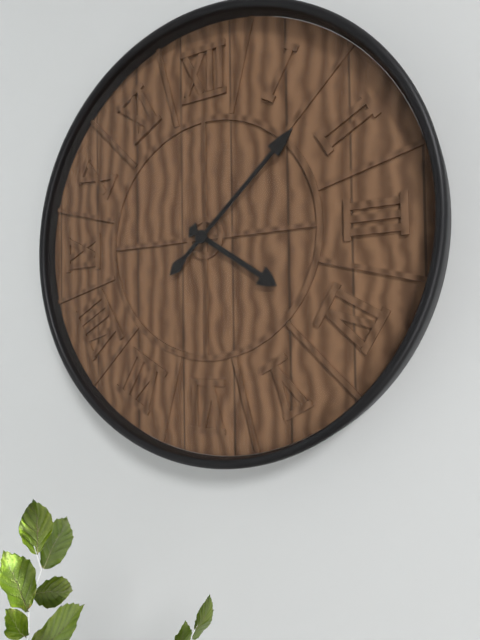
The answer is 4:08
